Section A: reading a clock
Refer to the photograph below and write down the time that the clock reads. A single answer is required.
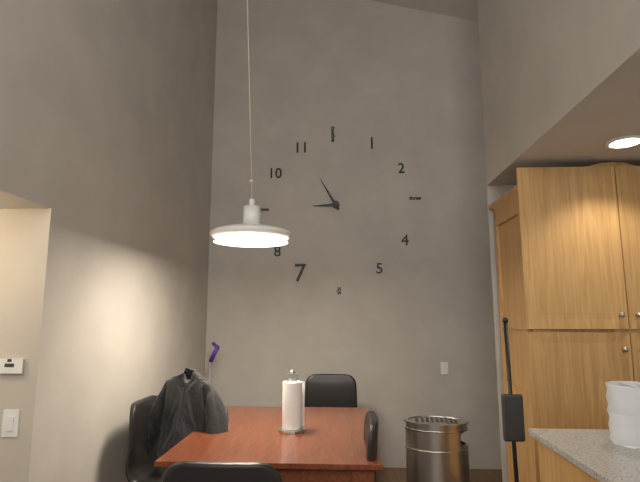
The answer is 8:55
